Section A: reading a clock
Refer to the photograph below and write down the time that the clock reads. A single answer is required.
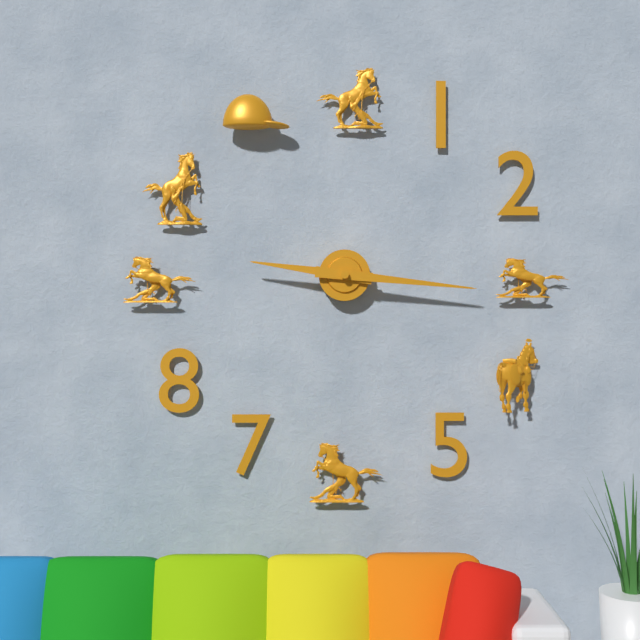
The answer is 9:16
